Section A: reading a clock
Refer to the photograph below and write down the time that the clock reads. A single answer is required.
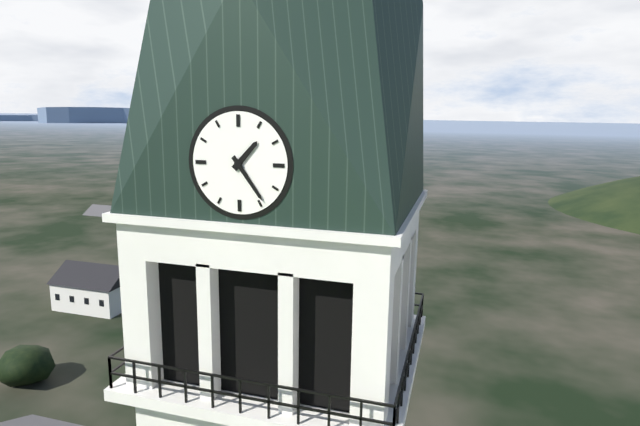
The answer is 1:24
